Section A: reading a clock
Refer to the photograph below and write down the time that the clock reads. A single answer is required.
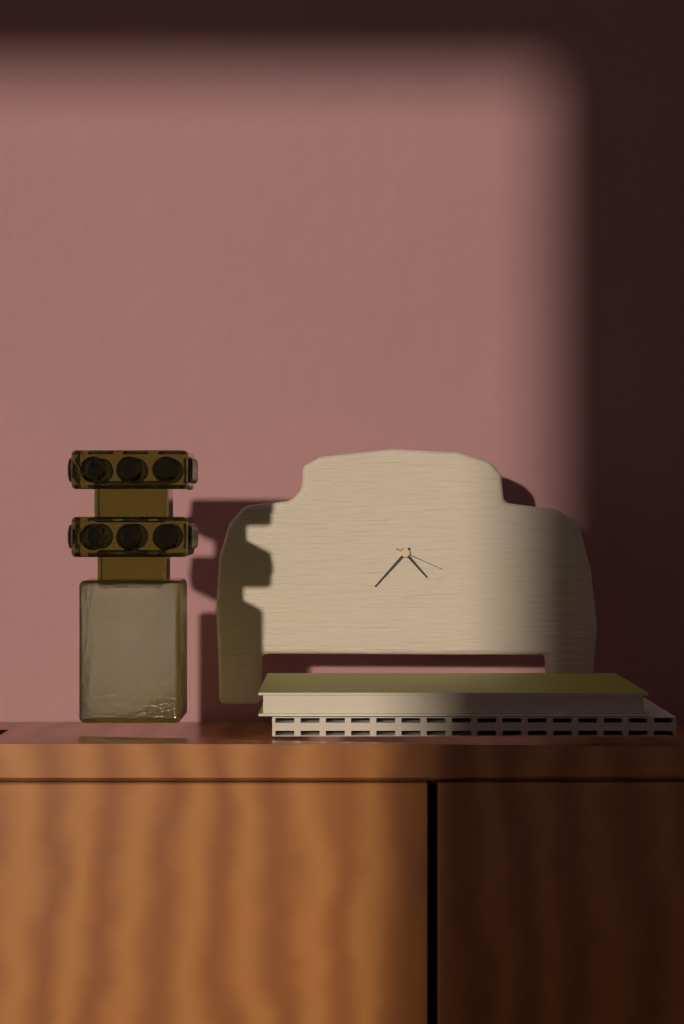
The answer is 4:37:19
